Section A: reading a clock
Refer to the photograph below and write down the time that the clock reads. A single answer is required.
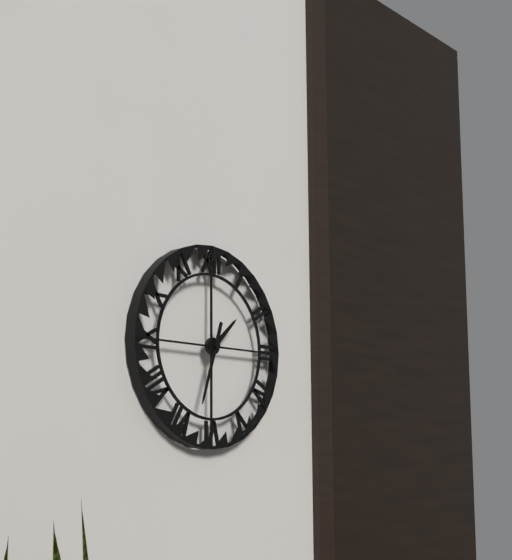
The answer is 1:33
